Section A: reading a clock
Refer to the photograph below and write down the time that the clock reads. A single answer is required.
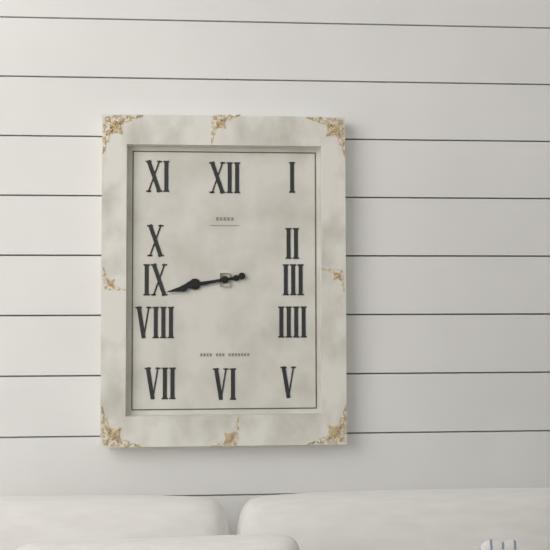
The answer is 8:43
